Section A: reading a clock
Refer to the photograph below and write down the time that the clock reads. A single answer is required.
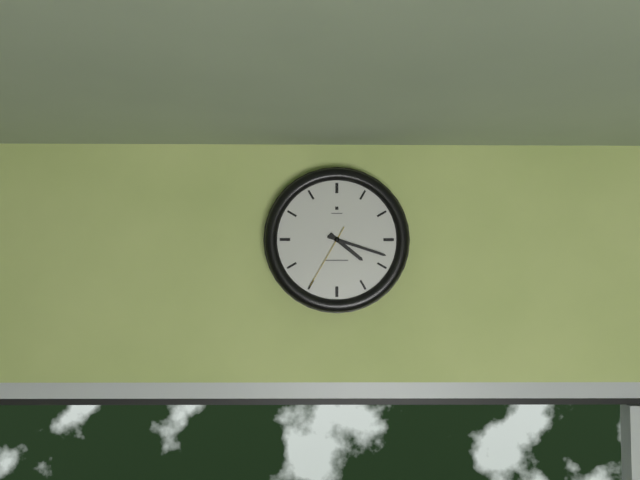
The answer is 4:18:35
